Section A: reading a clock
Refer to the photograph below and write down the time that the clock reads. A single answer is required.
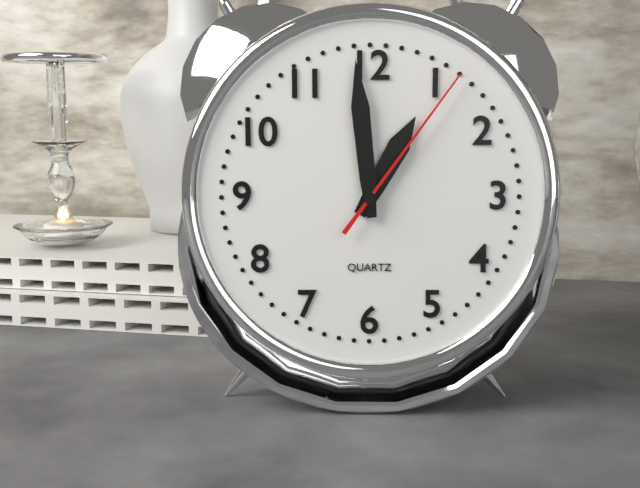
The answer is 12:59:06
